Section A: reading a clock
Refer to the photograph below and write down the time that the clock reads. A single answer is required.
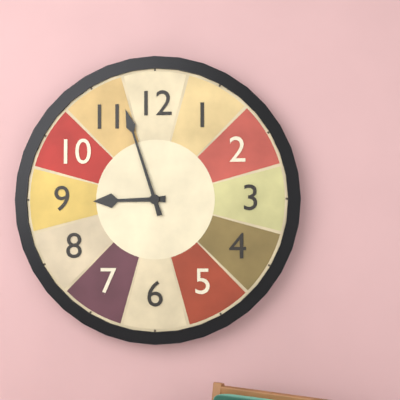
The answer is 8:57
